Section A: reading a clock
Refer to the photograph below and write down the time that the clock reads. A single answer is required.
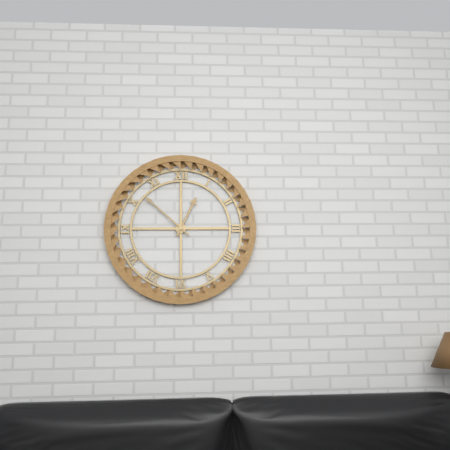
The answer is 12:52
